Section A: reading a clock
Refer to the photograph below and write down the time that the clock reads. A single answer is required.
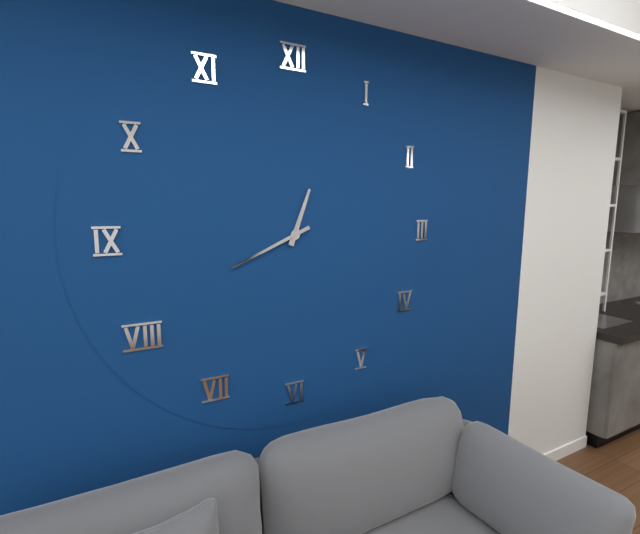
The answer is 12:41
